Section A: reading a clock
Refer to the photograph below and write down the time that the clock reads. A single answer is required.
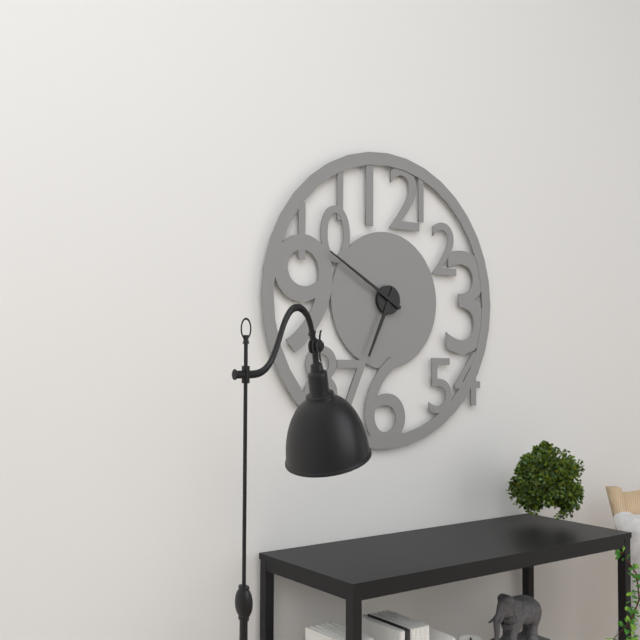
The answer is 6:50
